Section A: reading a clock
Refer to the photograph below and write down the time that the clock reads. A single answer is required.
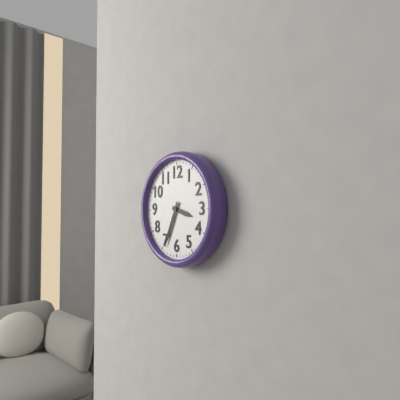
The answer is 3:34
